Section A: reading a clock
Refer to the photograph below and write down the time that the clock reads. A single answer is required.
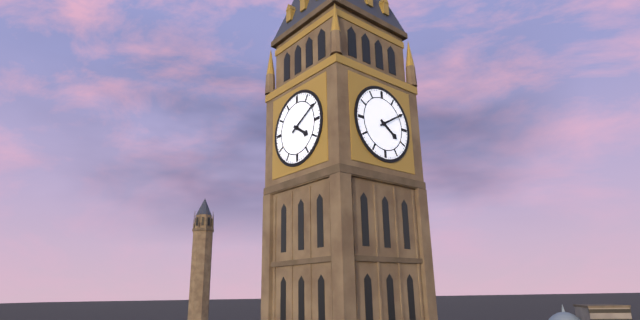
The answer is 4:10
